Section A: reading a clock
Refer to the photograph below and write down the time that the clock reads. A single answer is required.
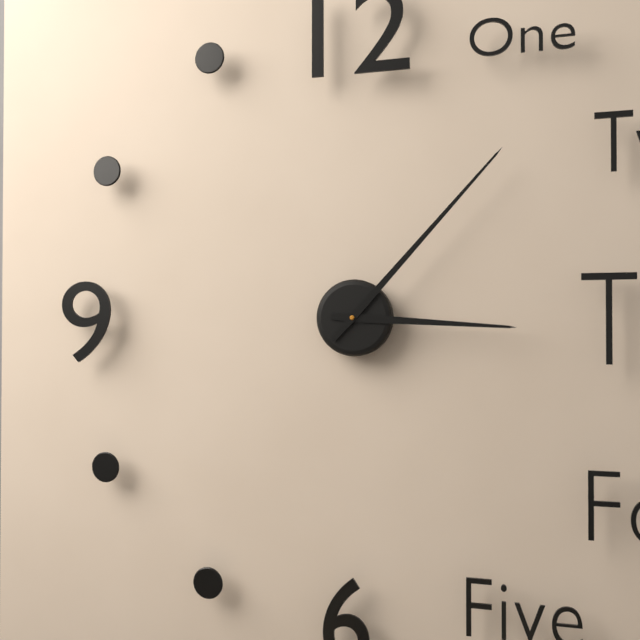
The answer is 3:07
